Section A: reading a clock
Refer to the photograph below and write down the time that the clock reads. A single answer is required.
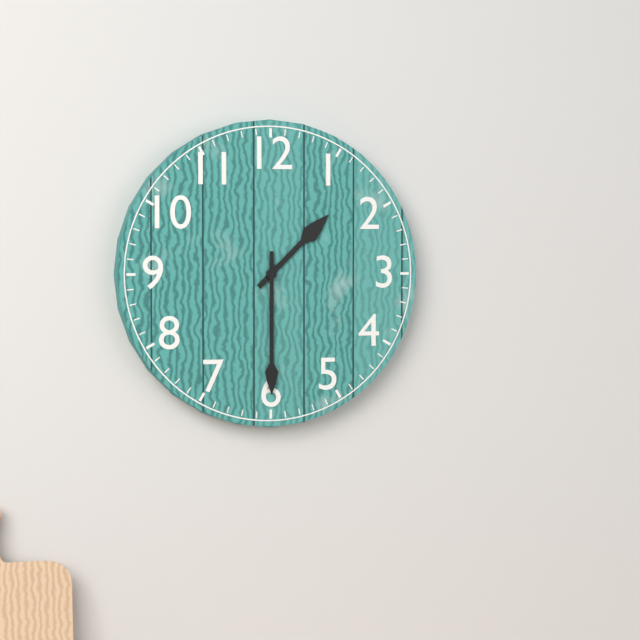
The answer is 1:30
